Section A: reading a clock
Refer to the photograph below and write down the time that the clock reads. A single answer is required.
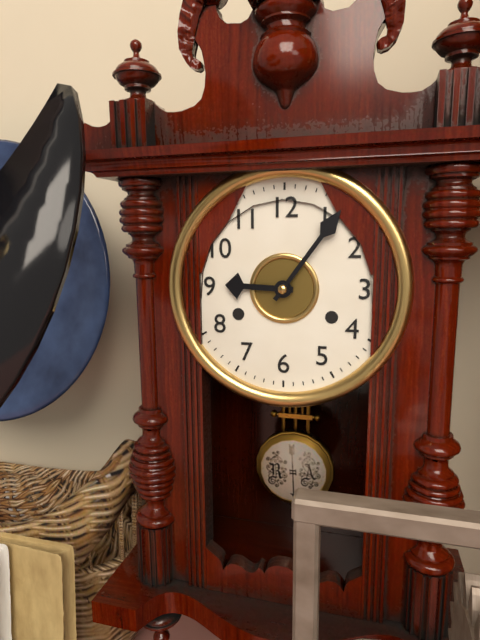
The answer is 9:06
